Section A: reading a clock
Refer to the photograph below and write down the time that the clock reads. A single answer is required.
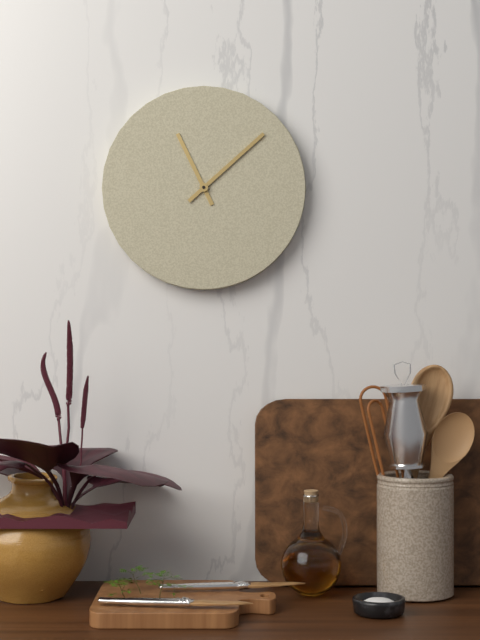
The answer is 11:08
